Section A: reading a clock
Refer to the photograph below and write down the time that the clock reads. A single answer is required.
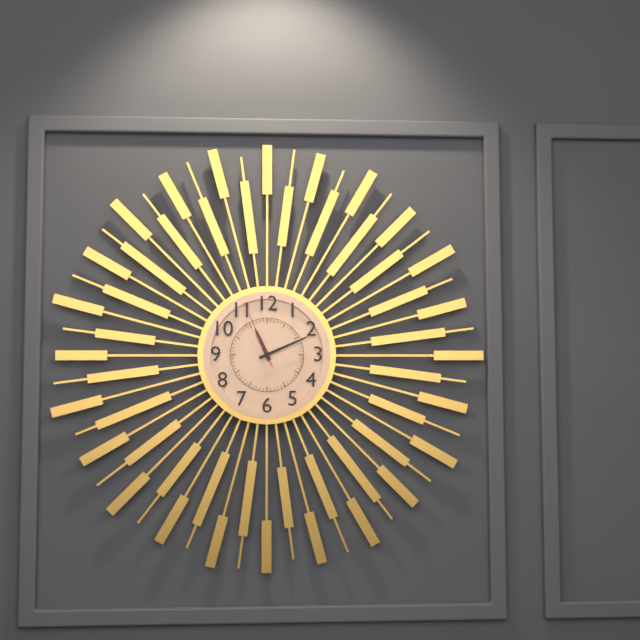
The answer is 11:11:56
